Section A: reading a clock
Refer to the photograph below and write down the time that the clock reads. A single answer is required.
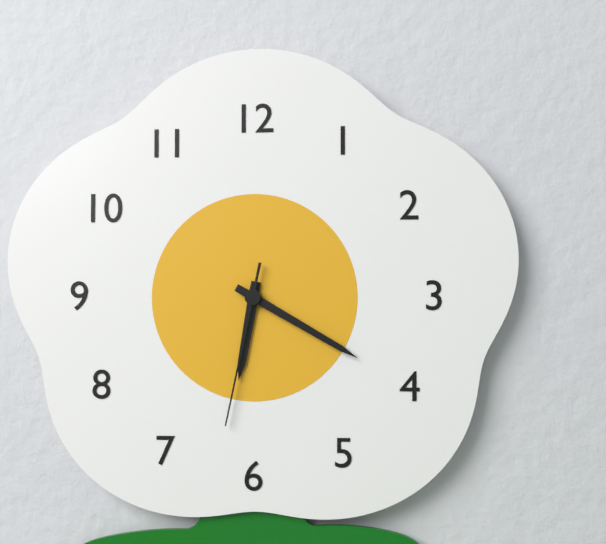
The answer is 6:20:32
